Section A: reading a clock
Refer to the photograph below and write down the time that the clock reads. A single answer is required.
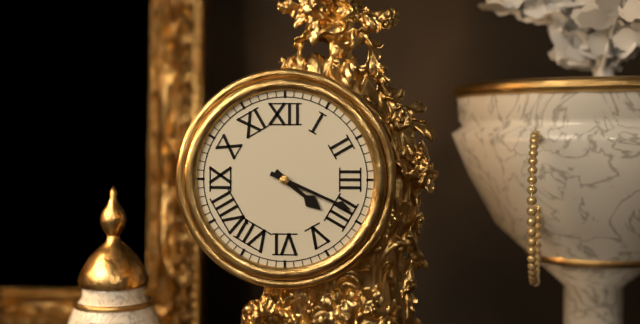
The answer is 4:19
